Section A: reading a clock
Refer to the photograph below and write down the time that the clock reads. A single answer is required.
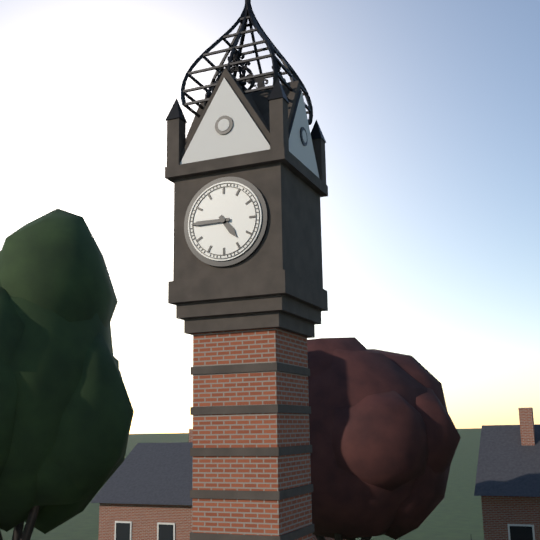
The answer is 4:45
